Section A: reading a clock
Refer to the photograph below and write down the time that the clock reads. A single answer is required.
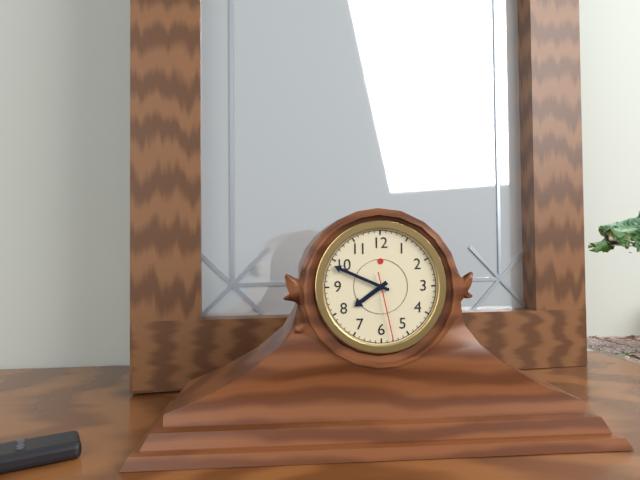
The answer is 7:49:28
